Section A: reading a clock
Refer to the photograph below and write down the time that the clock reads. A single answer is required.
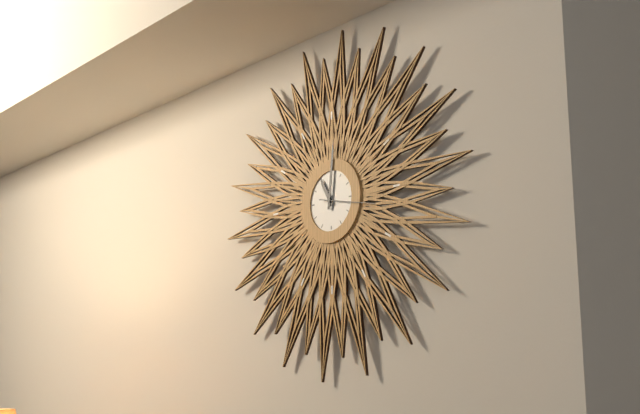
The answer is 11:01
